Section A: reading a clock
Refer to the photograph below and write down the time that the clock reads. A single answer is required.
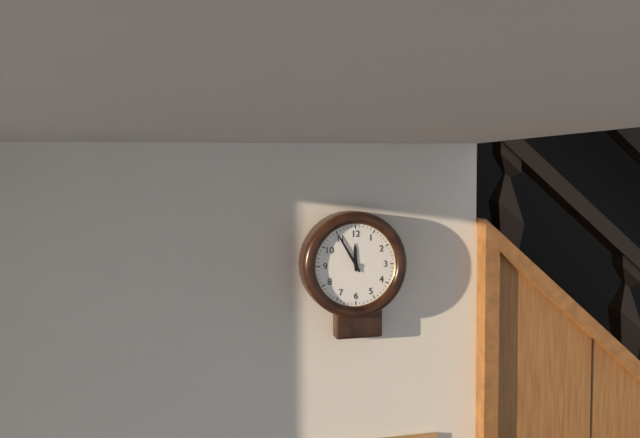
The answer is 11:55
